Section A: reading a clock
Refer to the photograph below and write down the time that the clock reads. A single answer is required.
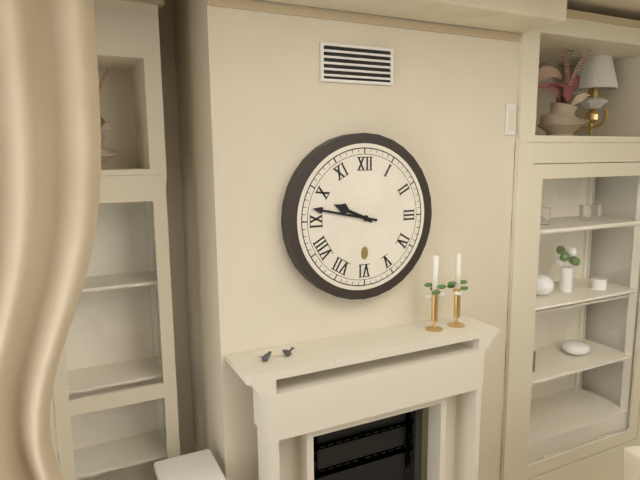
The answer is 9:47
